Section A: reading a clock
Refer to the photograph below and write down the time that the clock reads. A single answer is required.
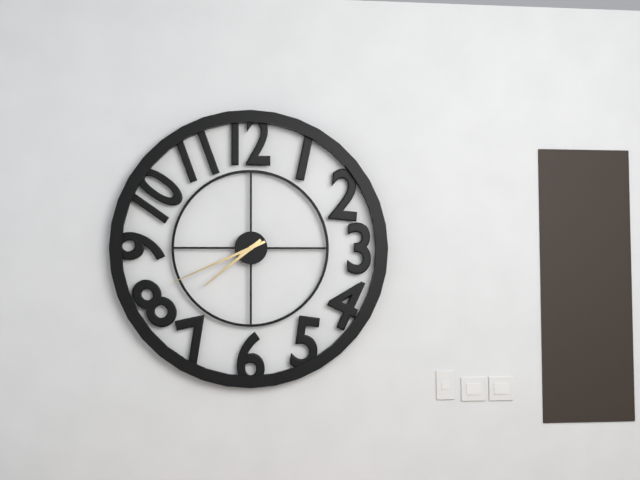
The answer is 7:41
